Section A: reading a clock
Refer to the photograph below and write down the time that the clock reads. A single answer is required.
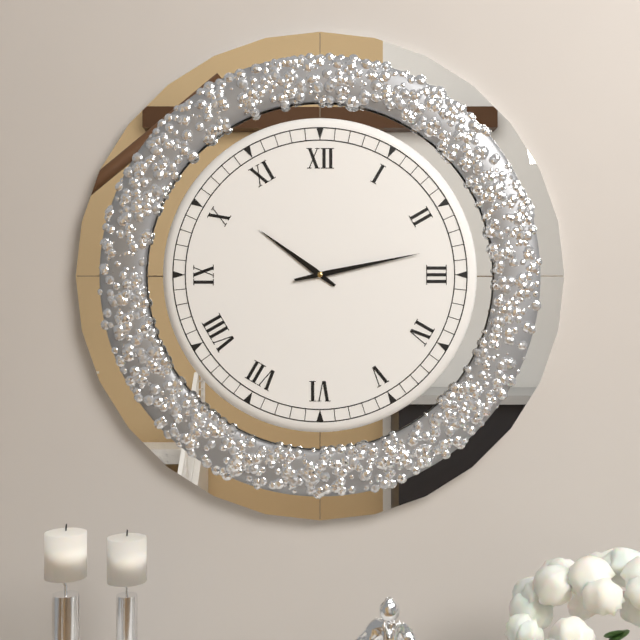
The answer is 10:13
